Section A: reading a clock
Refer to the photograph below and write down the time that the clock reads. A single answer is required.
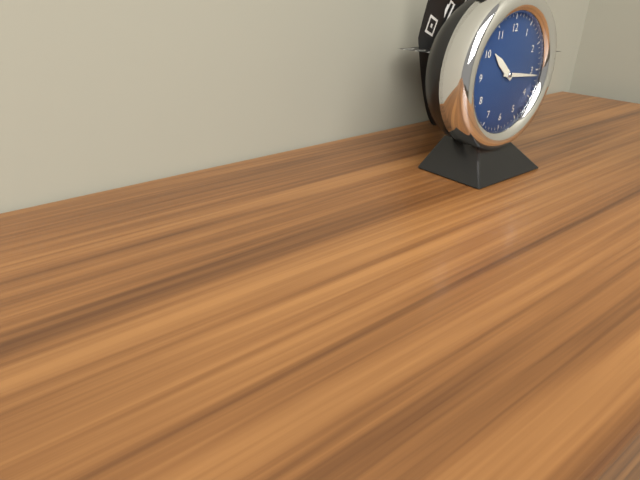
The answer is 10:16
